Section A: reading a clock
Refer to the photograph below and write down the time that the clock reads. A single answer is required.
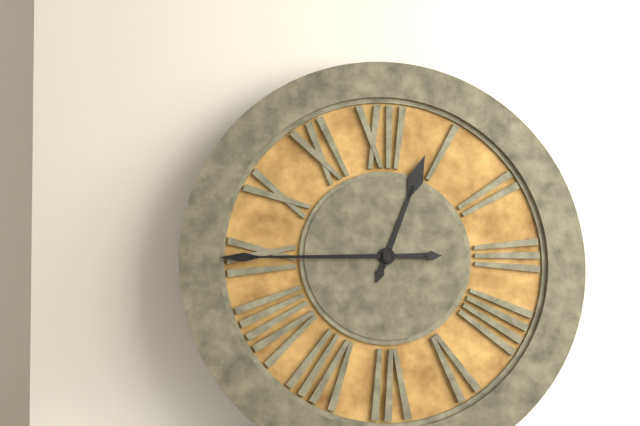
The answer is 12:45
